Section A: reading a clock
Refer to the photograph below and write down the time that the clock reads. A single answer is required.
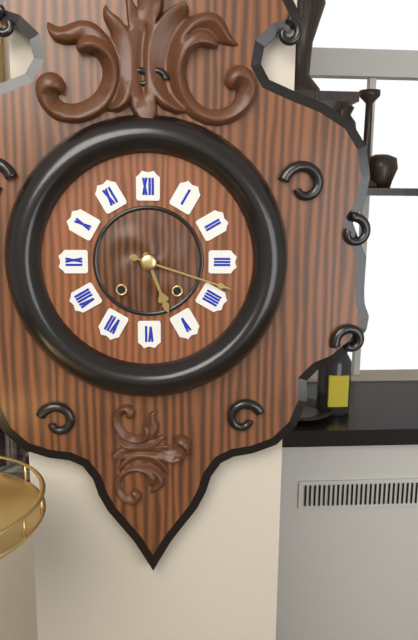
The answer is 5:18
